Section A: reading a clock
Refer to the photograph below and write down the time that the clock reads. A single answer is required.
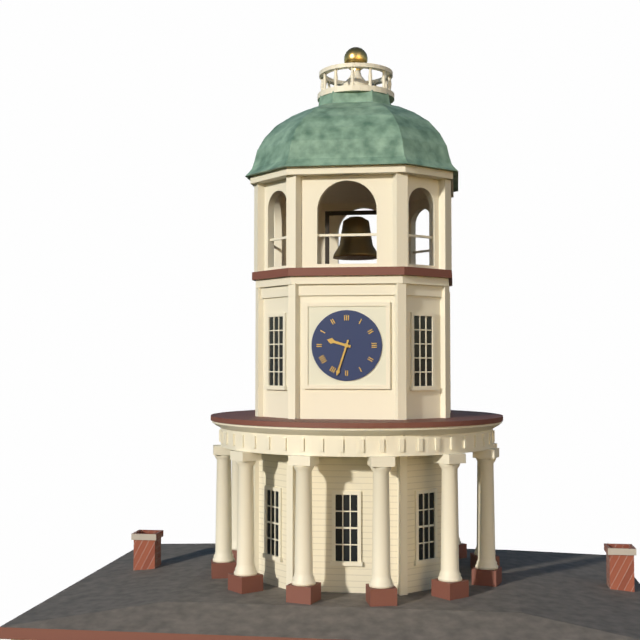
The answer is 9:33
